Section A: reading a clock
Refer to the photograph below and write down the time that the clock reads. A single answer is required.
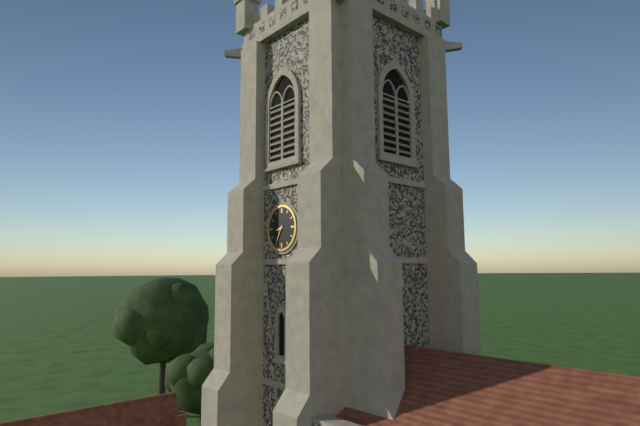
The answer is 8:35
